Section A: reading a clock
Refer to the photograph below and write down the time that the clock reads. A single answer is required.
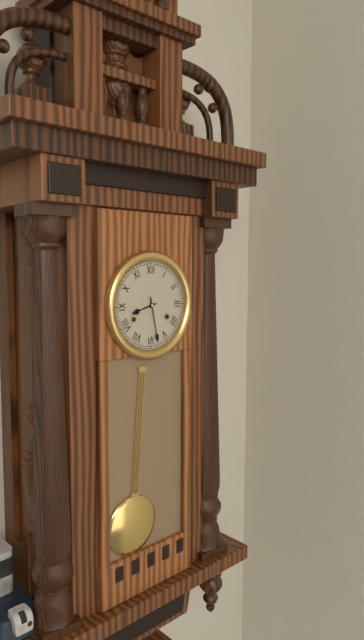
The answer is 8:28
